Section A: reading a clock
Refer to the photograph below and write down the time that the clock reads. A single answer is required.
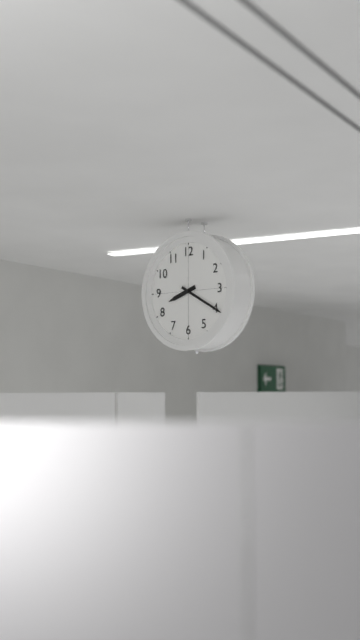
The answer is 8:20
